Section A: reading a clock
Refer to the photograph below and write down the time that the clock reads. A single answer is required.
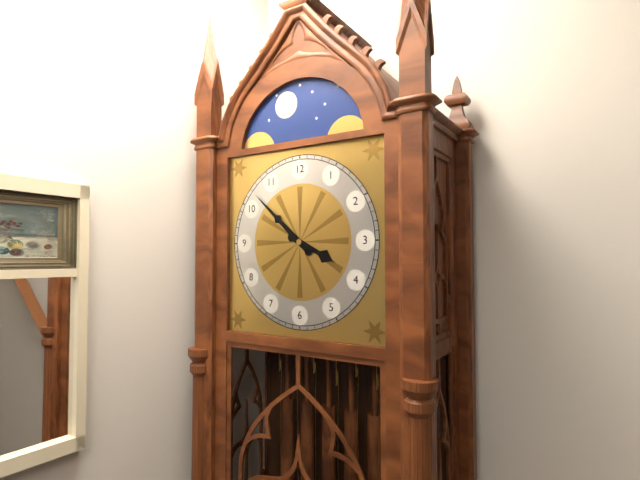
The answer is 3:52
